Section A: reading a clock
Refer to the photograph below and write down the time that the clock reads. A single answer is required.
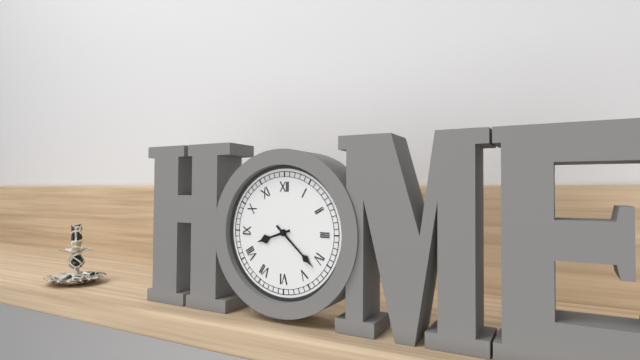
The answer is 8:22
